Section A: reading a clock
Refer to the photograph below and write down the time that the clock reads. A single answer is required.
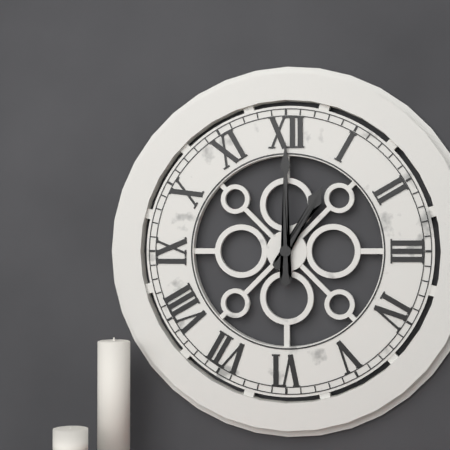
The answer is 1:00
